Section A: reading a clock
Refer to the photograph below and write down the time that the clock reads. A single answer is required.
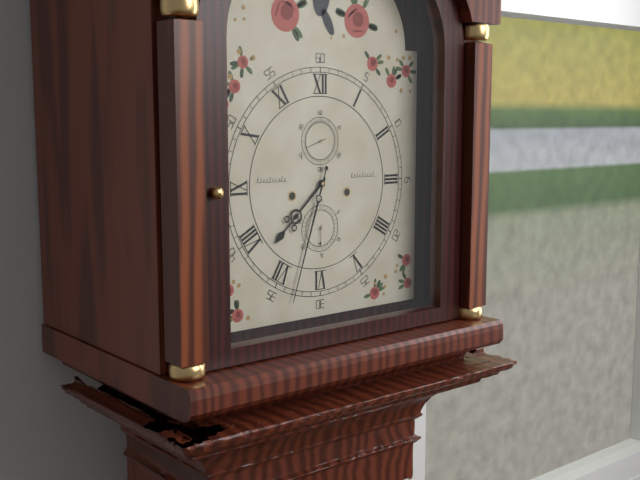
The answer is 7:33
